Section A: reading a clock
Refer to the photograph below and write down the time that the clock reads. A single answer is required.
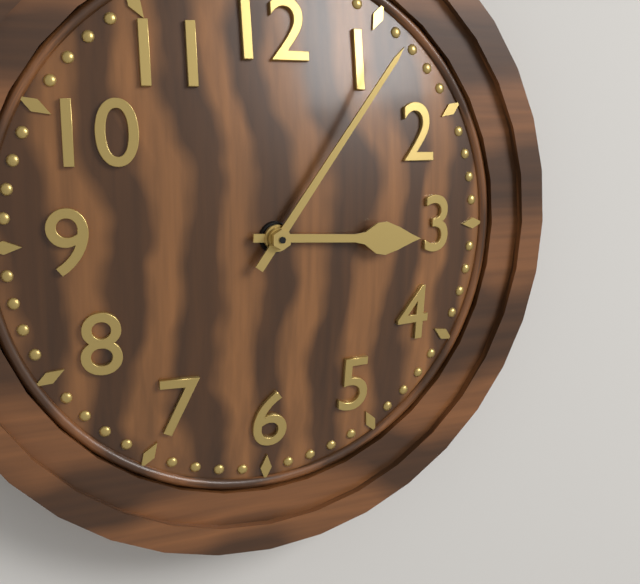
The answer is 3:06
